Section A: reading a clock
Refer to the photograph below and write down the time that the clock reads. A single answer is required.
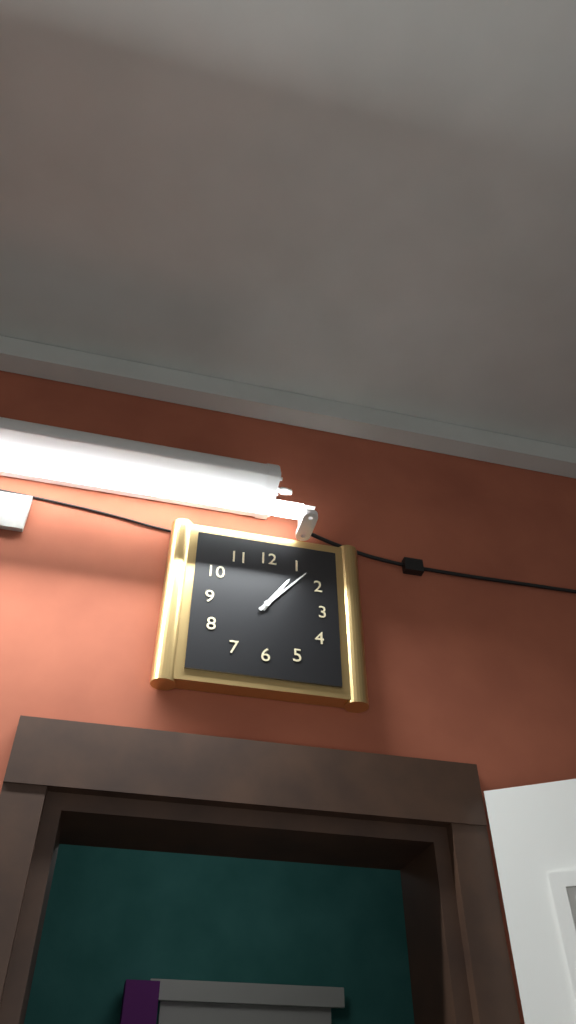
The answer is 1:07
